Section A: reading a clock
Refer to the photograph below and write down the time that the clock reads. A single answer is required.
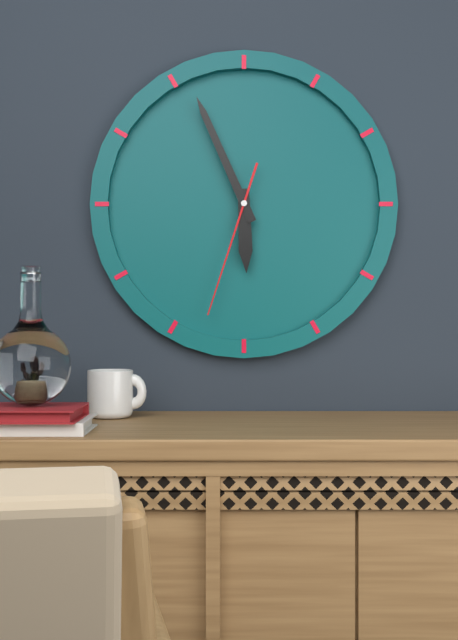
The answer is 5:56:33
